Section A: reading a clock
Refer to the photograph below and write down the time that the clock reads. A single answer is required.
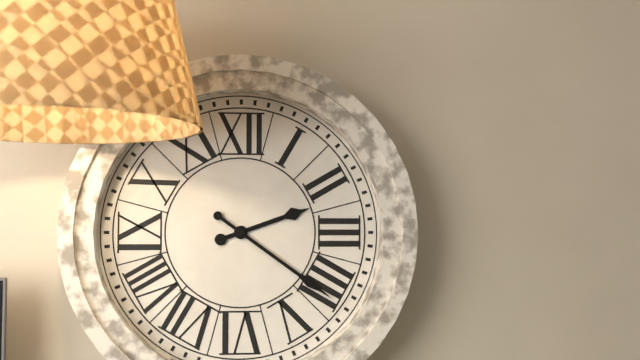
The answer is 2:21
